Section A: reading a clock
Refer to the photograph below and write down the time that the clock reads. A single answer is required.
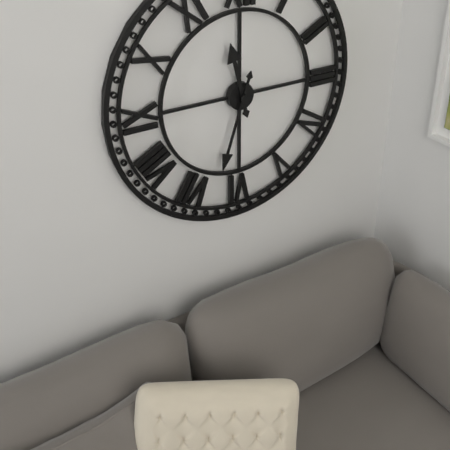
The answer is 11:33
